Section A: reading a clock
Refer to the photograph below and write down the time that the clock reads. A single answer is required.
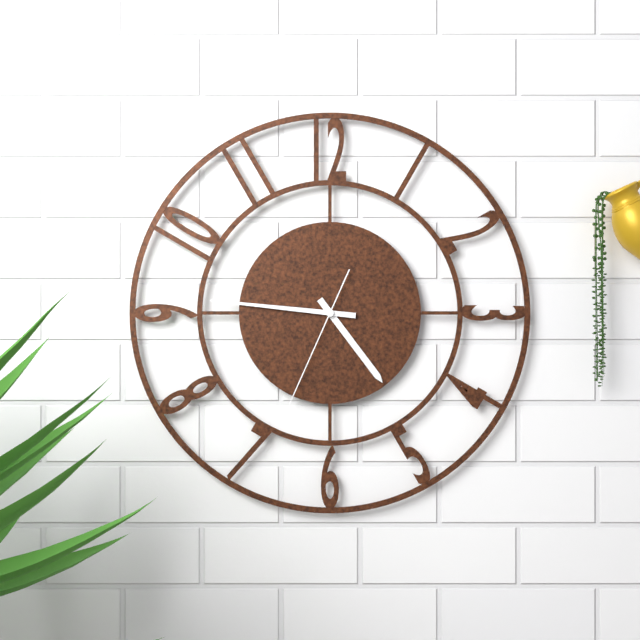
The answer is 4:46:34
